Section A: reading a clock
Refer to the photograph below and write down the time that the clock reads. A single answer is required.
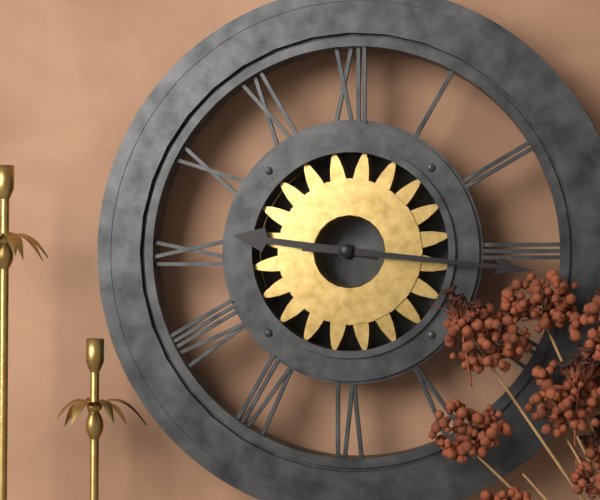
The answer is 9:16
